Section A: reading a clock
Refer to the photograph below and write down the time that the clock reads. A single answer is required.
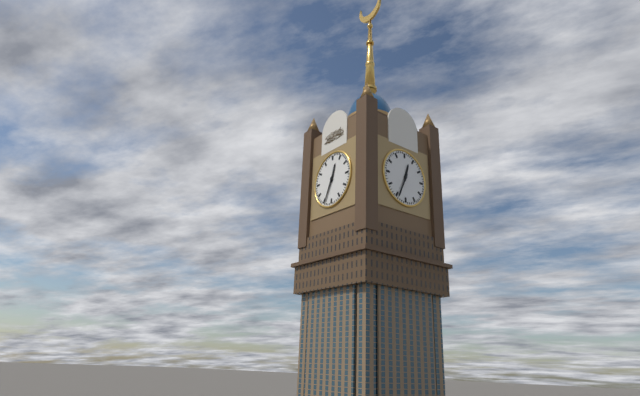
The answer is 12:34
